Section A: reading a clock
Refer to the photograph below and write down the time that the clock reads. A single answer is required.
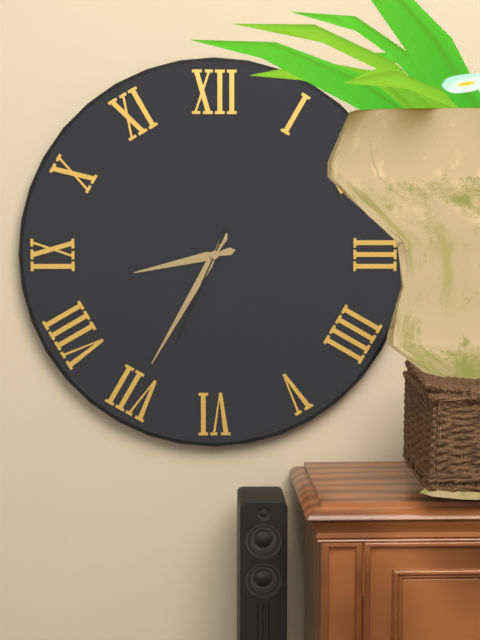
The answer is 8:35:34
